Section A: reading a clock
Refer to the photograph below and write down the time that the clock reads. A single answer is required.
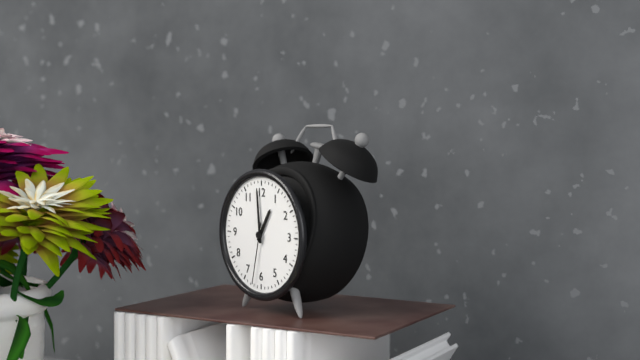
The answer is 12:59:32
